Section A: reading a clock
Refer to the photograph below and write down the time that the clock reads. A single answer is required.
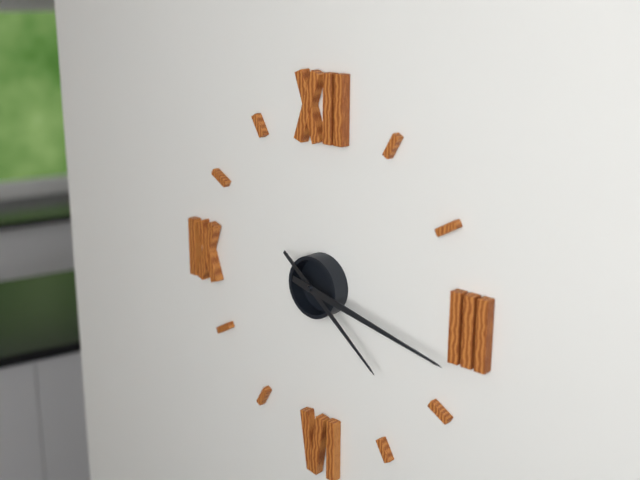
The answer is 4:17
